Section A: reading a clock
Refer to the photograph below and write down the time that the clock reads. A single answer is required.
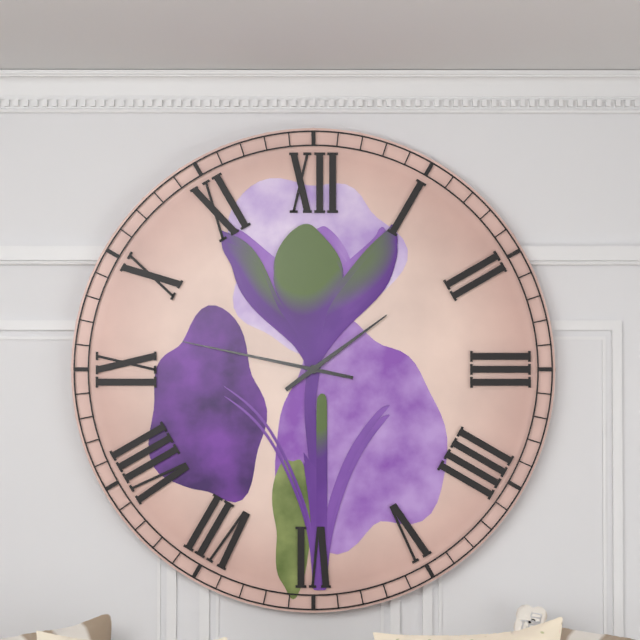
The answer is 1:47
